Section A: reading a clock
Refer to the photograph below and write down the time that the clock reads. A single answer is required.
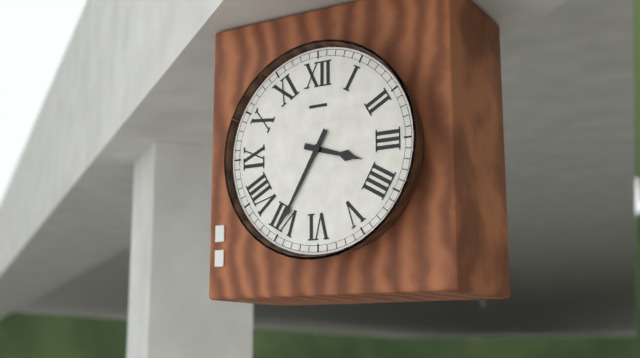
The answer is 3:35
